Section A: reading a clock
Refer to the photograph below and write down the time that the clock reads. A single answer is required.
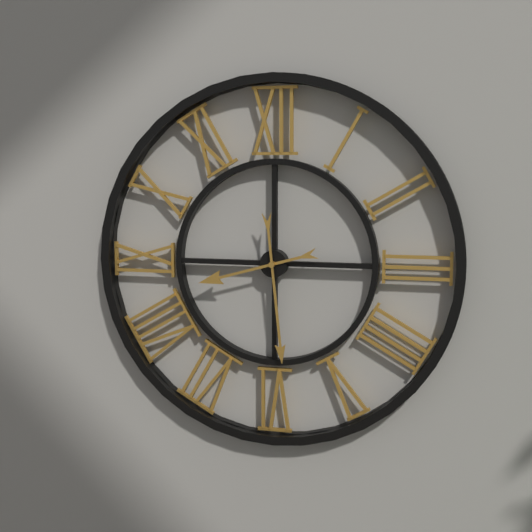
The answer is 8:29
